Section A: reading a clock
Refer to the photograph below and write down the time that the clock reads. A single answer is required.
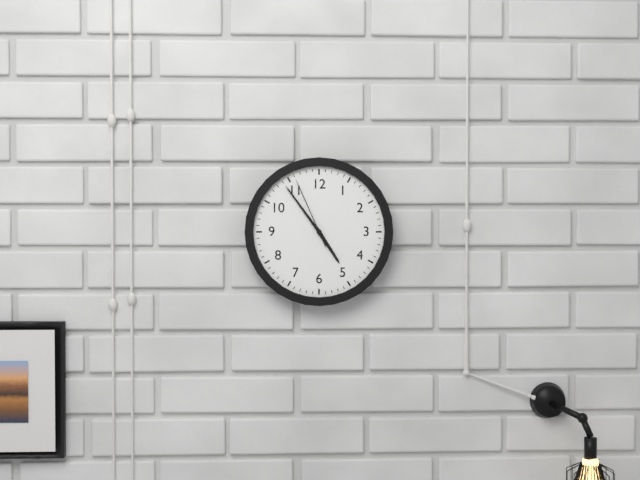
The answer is 4:54:56
